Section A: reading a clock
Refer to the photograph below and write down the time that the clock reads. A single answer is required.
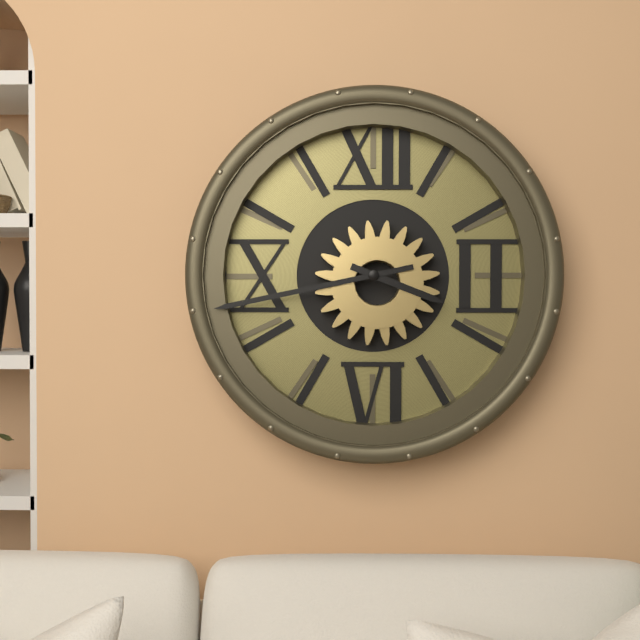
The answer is 3:43
